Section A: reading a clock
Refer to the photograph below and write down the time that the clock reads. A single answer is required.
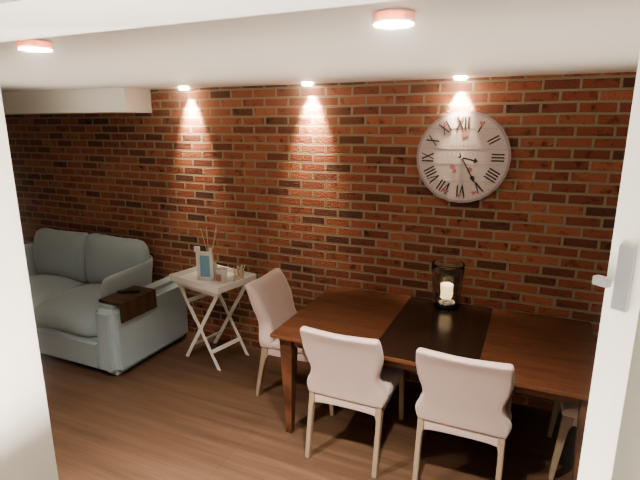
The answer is 3:25
